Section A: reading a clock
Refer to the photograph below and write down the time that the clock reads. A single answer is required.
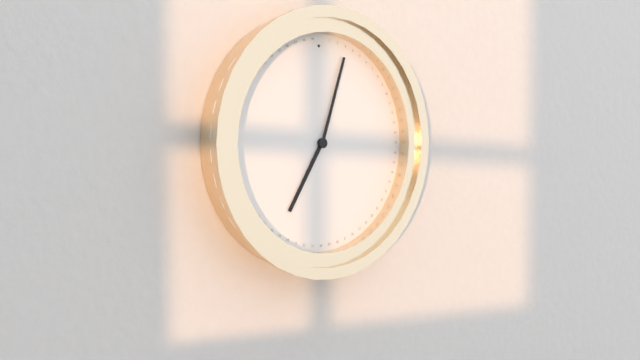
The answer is 7:03
